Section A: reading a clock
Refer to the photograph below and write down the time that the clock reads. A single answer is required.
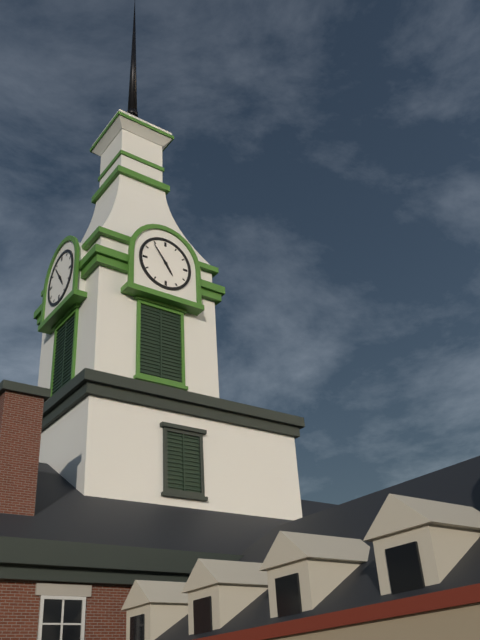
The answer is 4:54
